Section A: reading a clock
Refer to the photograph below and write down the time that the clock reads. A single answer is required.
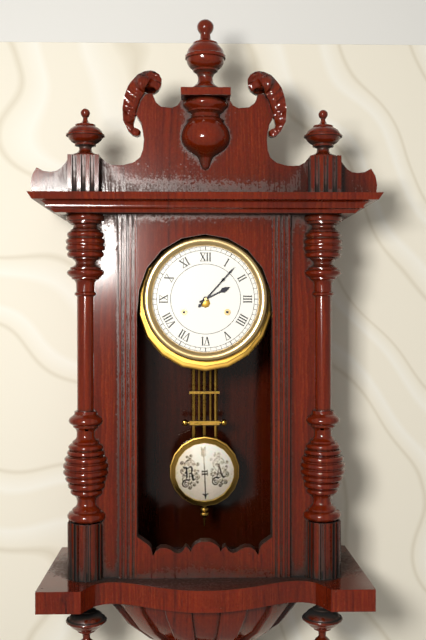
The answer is 2:07
